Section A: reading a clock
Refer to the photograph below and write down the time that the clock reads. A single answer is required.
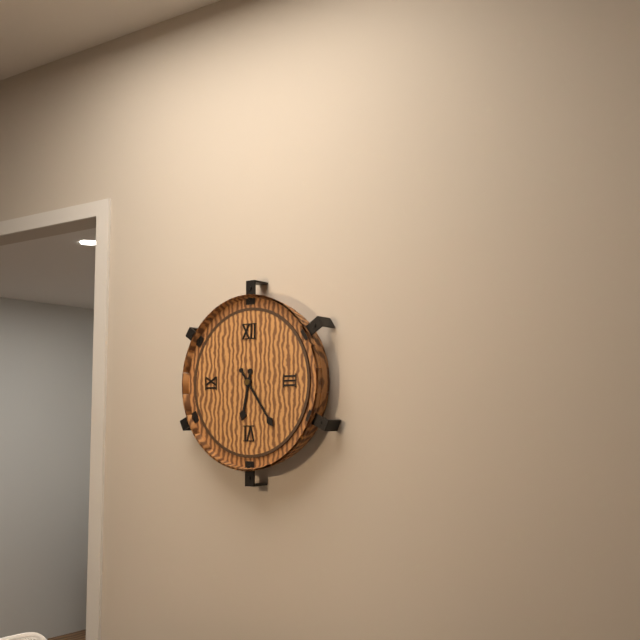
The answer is 6:24
